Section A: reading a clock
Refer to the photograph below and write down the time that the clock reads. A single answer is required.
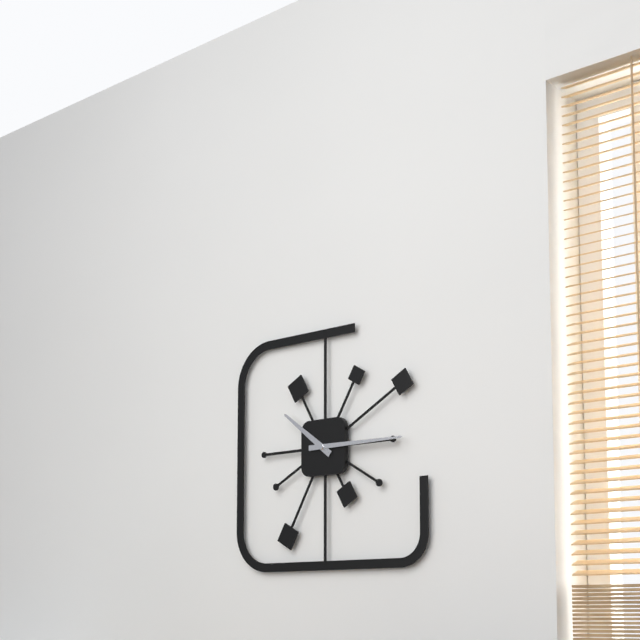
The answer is 10:15
